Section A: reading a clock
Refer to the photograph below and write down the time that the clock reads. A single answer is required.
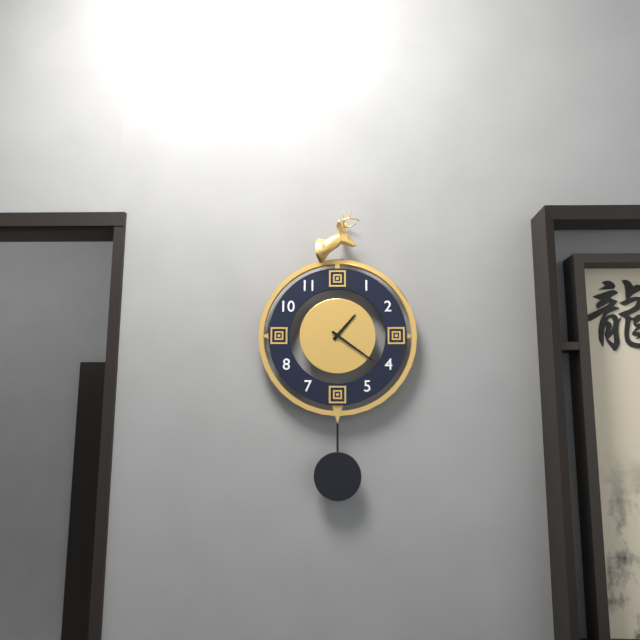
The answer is 1:21
